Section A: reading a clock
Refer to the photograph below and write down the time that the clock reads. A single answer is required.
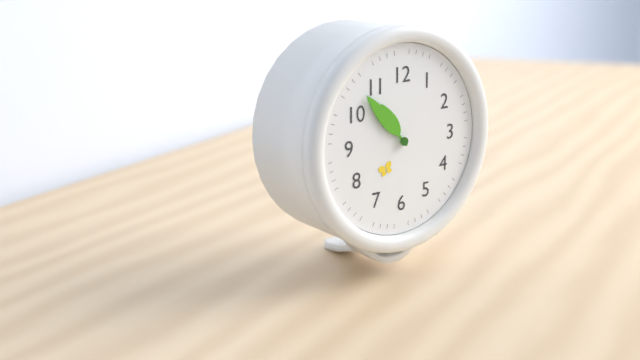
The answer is 10:53
